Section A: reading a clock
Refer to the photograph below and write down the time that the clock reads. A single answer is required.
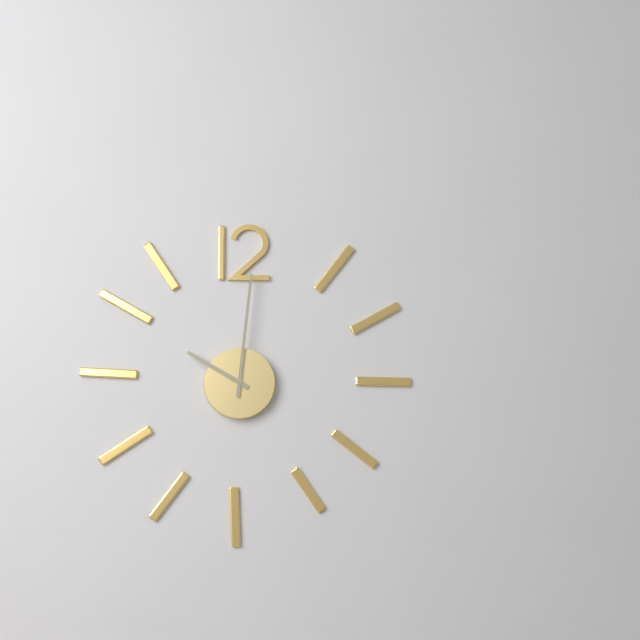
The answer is 10:01
